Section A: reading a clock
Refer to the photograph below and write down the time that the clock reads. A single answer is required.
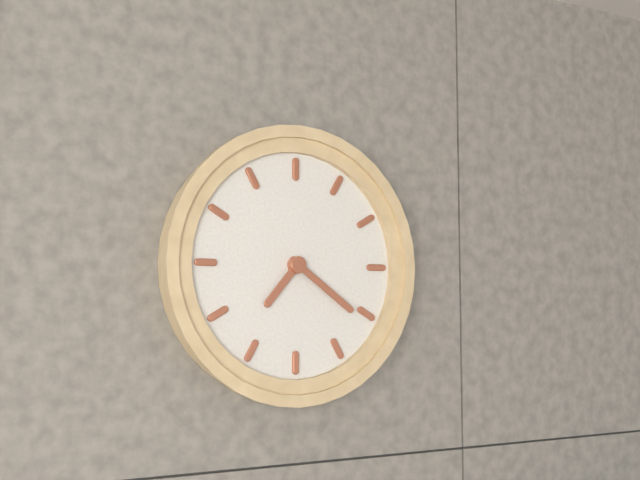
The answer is 7:21
